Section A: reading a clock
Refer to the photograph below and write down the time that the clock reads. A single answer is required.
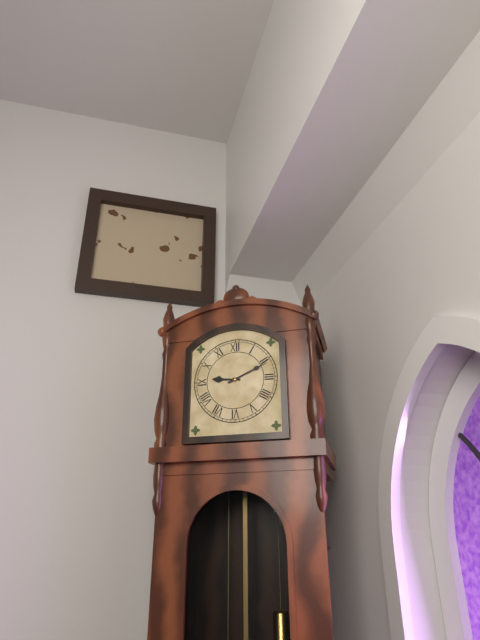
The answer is 9:11
